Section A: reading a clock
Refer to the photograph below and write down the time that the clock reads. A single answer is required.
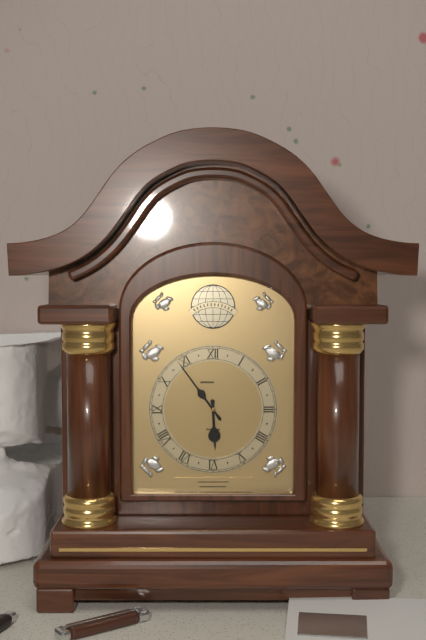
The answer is 5:54
